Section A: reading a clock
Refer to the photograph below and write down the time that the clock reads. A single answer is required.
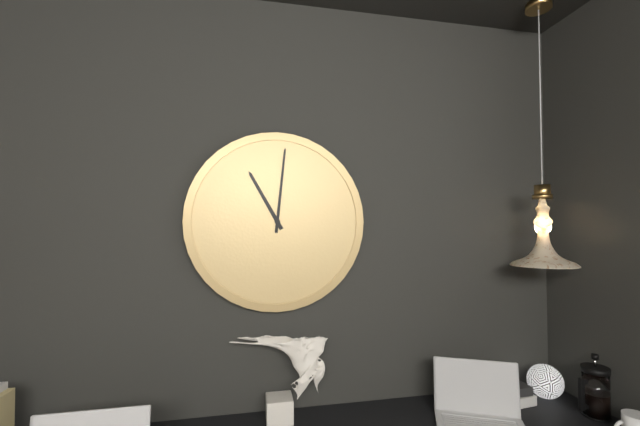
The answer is 11:01
